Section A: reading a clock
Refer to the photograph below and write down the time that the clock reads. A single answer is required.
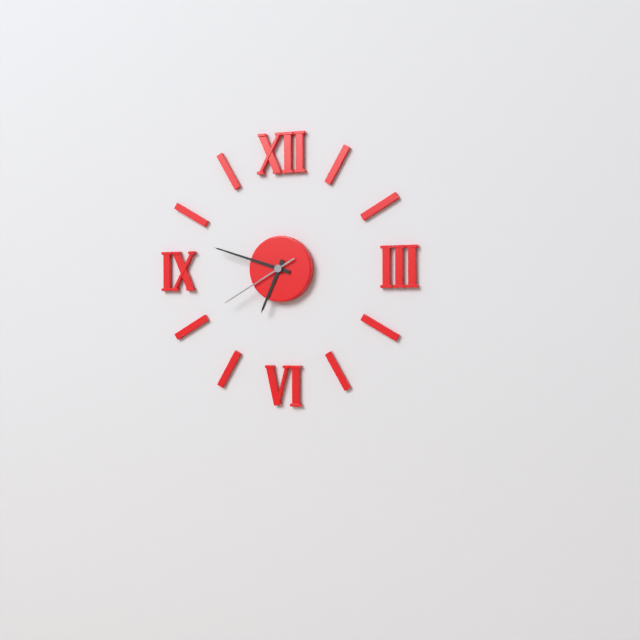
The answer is 6:48:40
